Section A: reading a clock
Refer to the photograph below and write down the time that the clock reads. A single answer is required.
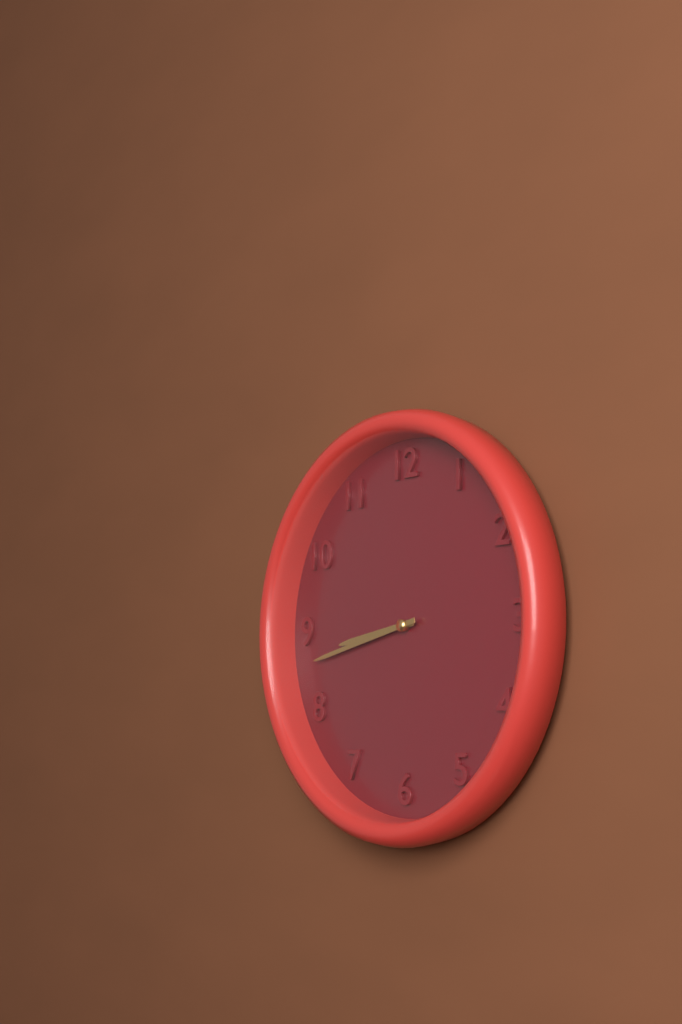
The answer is 8:43
